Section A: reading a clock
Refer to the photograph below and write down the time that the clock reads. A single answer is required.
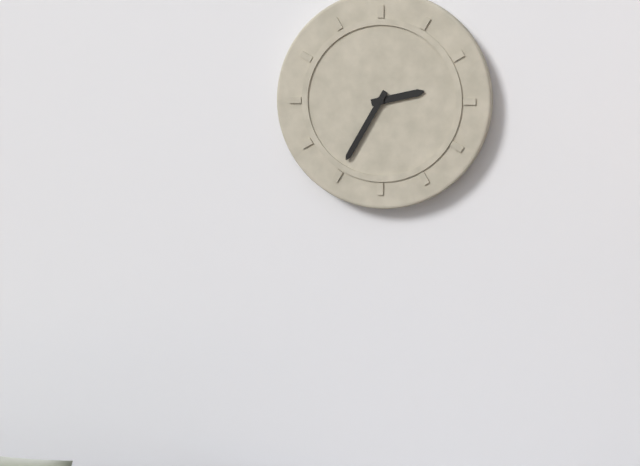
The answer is 2:35
